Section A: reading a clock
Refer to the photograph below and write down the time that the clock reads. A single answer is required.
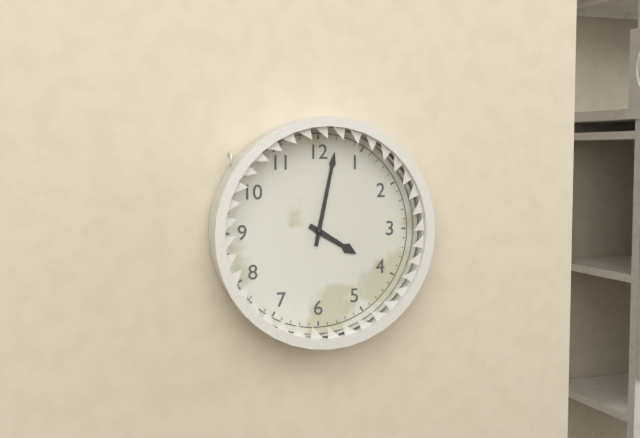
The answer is 4:02
